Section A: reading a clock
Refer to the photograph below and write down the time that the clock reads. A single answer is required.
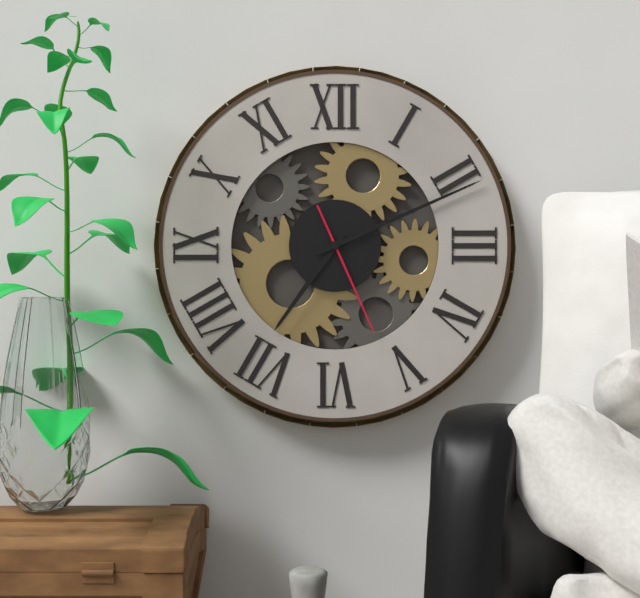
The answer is 7:11:26
